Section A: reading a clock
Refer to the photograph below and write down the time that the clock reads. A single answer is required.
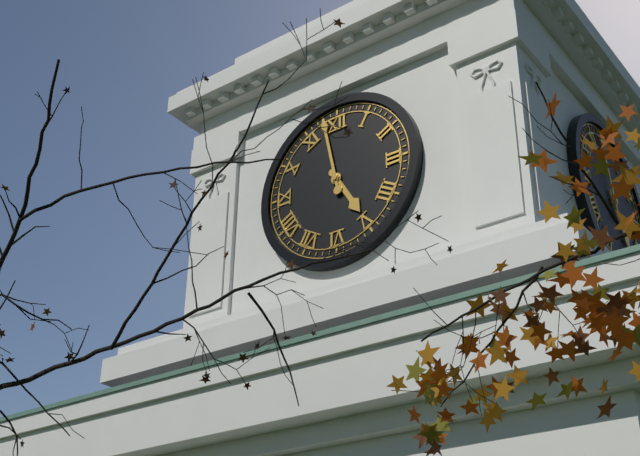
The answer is 4:58
